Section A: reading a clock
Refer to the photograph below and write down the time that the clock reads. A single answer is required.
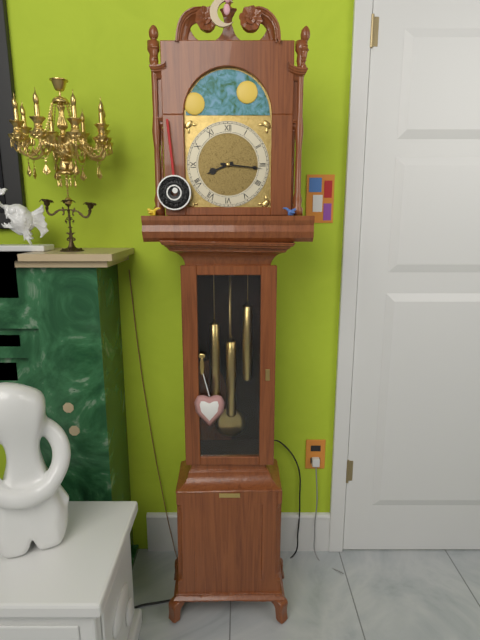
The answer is 8:16
